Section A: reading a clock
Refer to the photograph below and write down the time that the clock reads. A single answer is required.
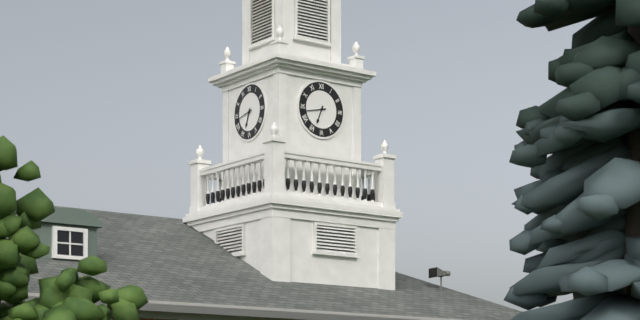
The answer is 6:43
